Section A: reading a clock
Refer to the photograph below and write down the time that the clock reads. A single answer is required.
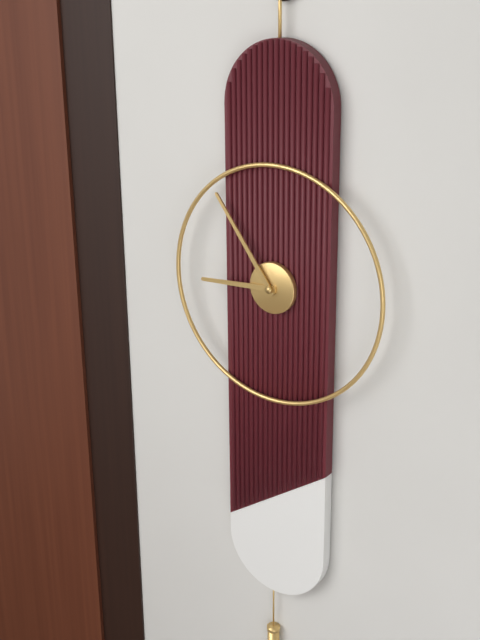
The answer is 8:54
